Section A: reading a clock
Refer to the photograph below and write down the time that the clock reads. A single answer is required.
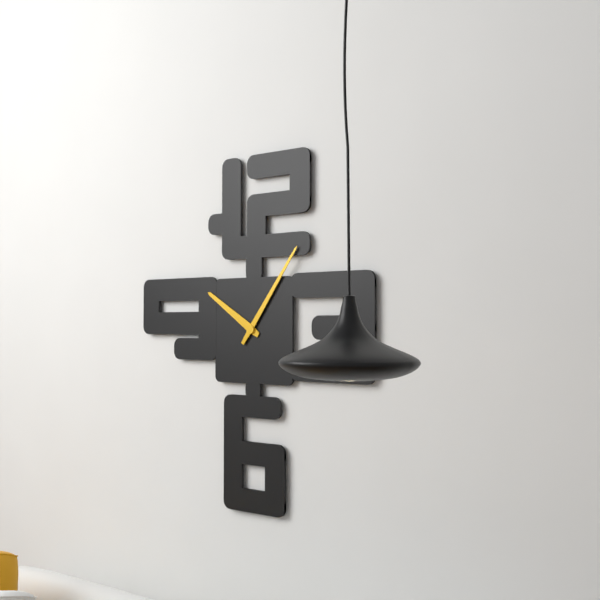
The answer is 10:06
